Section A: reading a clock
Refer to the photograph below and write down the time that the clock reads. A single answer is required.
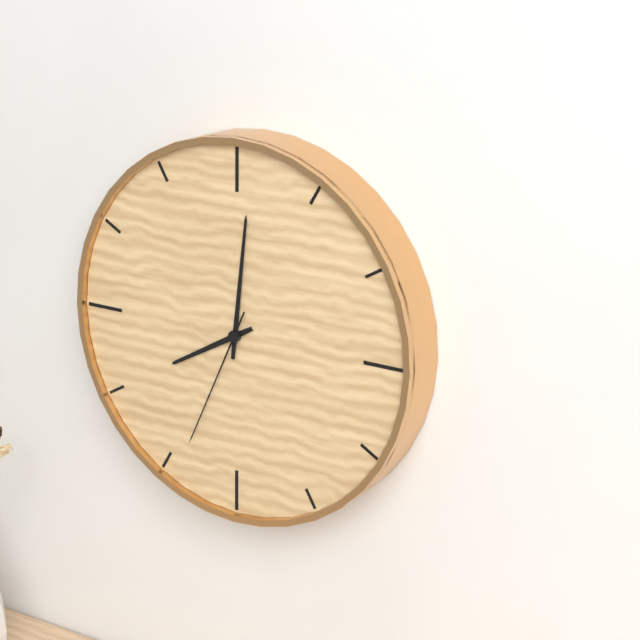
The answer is 8:01:34
